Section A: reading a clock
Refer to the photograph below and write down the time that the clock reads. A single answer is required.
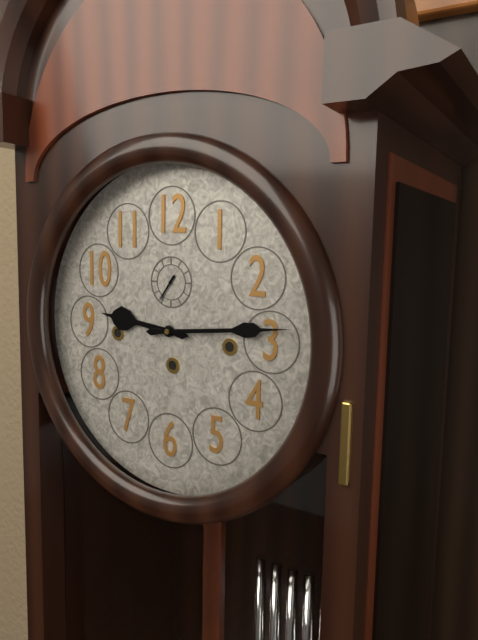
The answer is 9:14
